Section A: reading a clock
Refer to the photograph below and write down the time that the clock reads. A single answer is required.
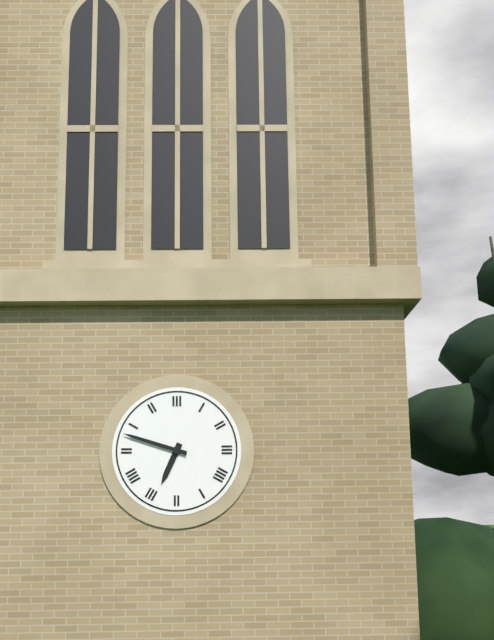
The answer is 6:48
